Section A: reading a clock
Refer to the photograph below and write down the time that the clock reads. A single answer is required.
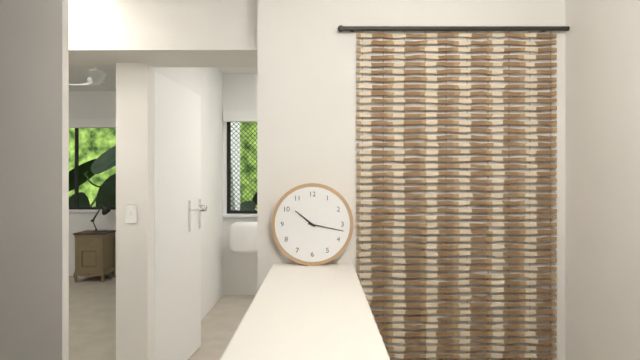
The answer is 10:17
